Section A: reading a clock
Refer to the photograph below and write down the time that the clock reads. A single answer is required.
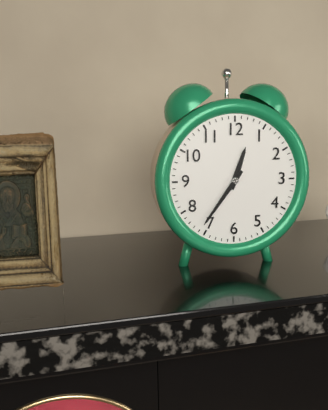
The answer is 12:36
